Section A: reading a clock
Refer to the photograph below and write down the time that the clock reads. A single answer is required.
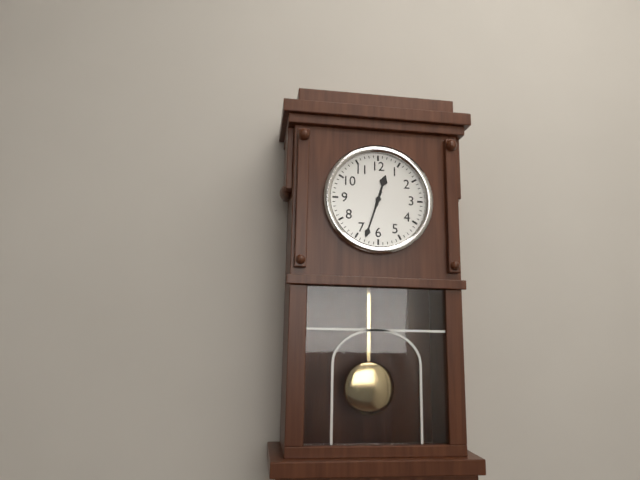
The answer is 12:33
